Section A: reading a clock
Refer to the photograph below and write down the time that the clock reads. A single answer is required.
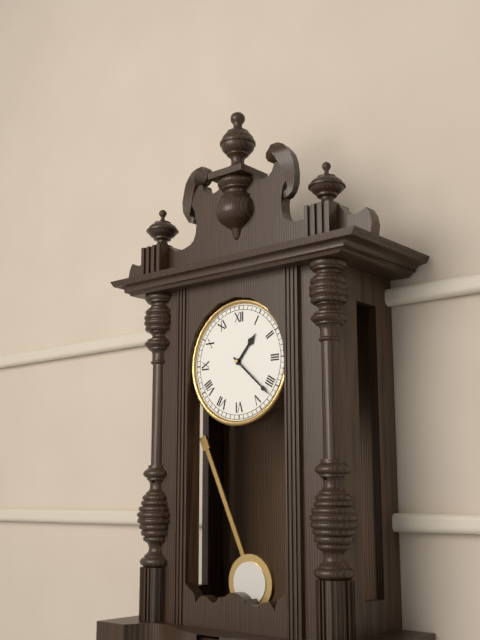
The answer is 1:22
